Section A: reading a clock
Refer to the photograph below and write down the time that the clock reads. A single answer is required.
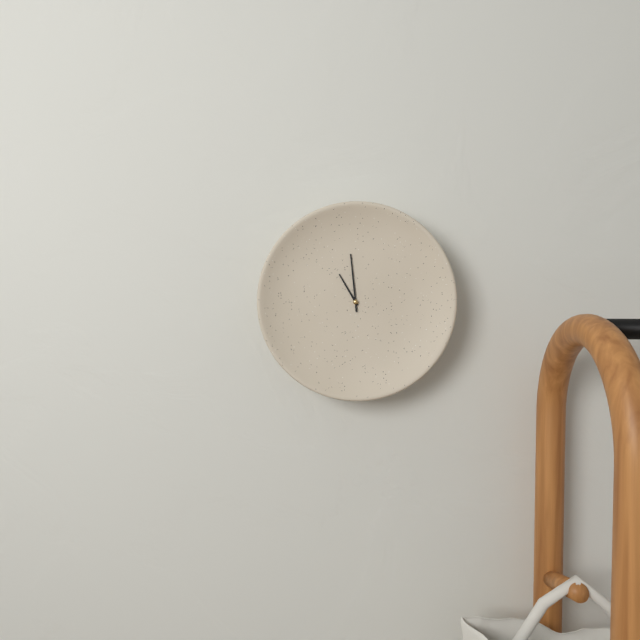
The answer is 10:59
